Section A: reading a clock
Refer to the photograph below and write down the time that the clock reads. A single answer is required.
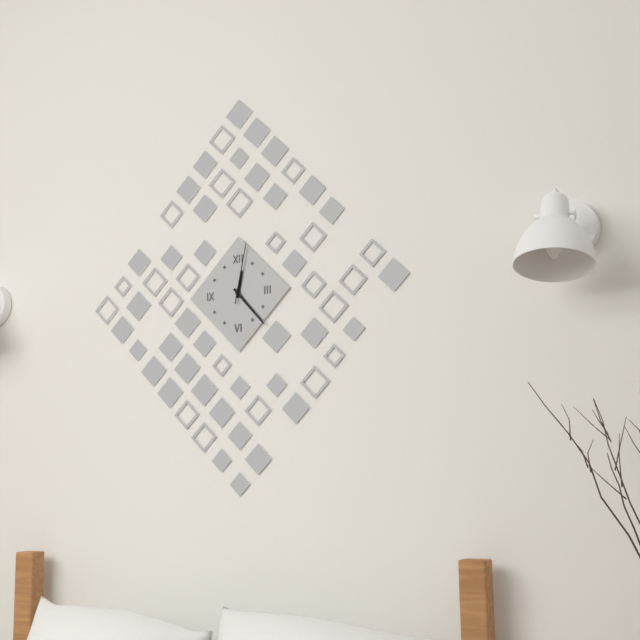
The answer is 12:23:02
